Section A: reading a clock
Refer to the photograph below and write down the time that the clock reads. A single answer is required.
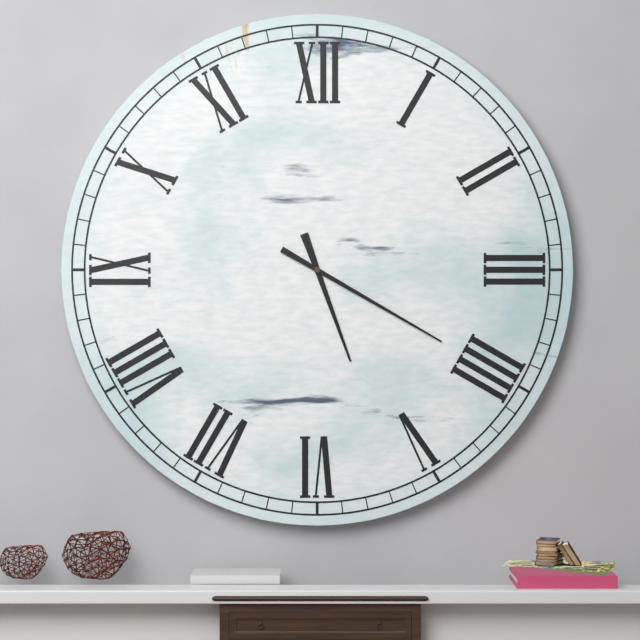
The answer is 5:20
